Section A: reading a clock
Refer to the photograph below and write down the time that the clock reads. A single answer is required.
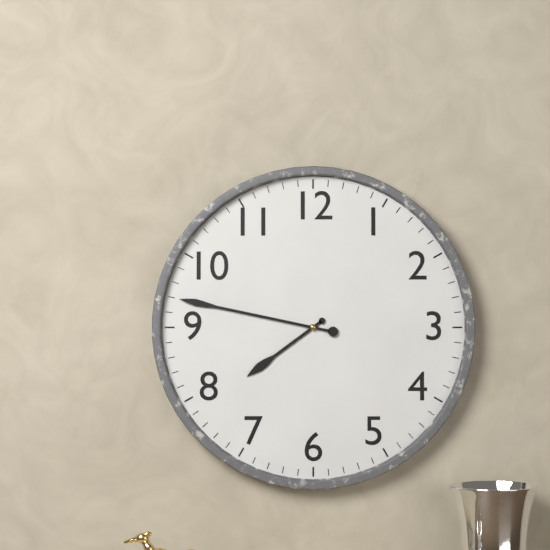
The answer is 7:47
